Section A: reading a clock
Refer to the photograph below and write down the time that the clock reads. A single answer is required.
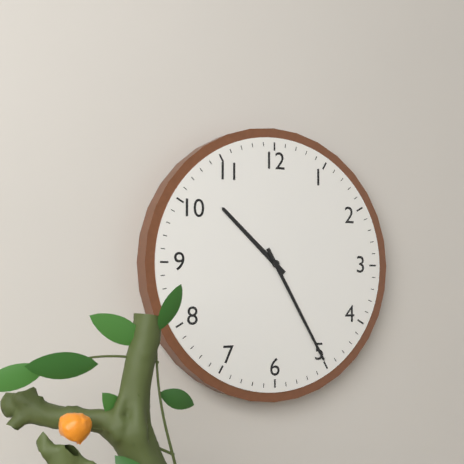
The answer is 10:25
